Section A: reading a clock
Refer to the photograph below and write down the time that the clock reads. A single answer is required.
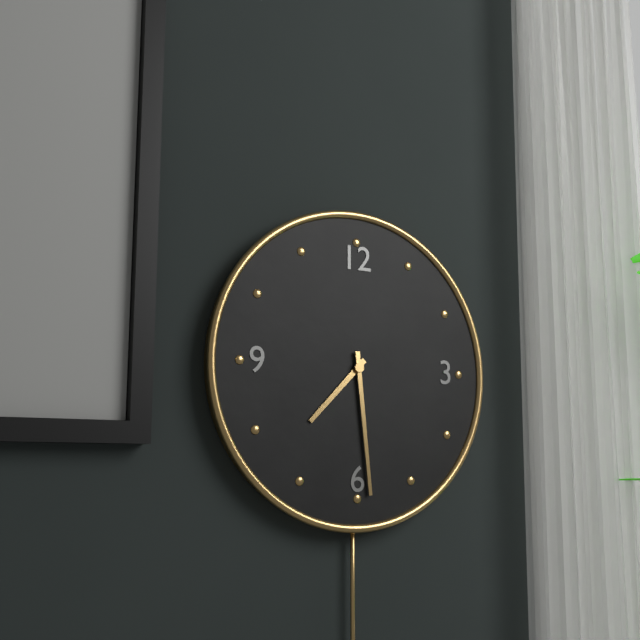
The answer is 7:29
